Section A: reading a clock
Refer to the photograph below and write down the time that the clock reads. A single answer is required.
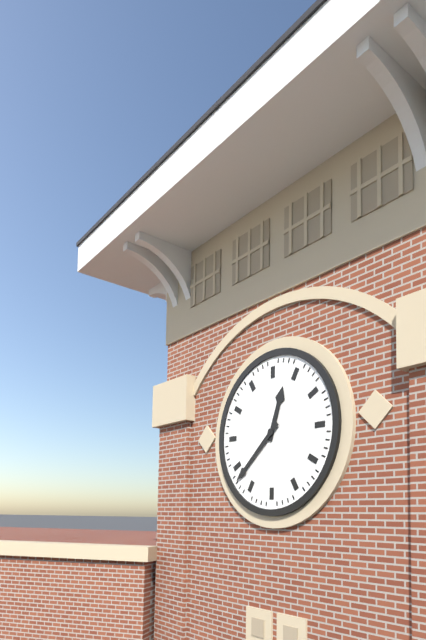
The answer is 12:38
